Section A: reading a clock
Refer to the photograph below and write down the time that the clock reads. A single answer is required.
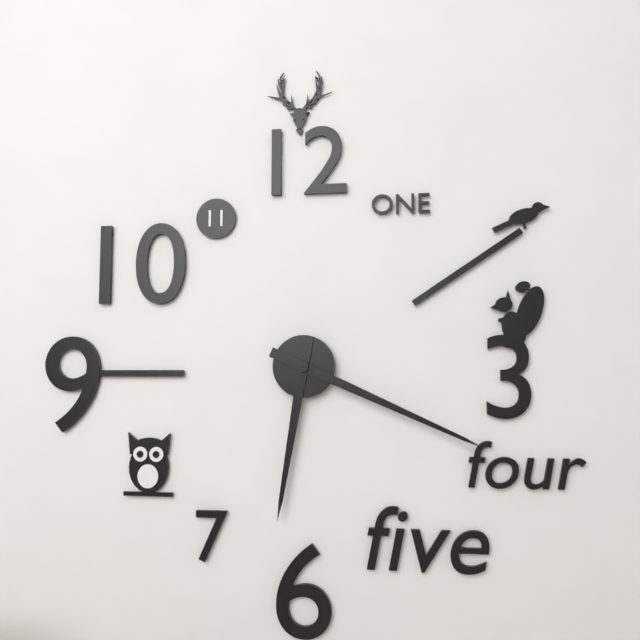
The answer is 6:19
